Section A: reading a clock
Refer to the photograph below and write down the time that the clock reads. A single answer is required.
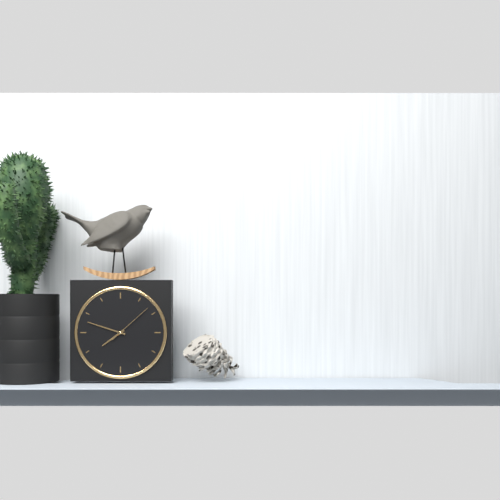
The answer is 7:48
